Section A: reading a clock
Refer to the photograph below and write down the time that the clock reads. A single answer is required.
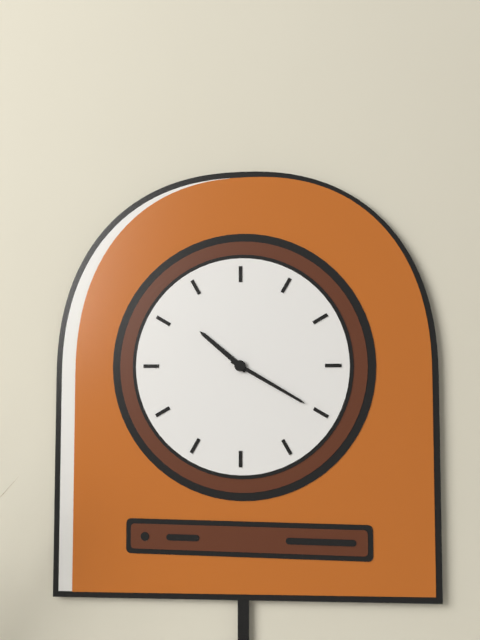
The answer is 10:20
